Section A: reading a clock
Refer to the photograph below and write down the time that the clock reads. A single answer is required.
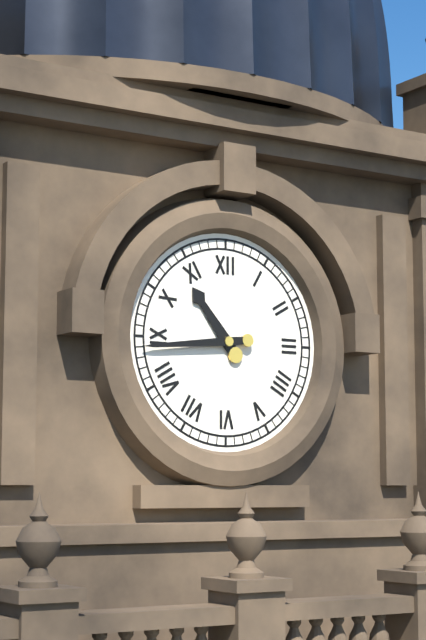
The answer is 10:44
